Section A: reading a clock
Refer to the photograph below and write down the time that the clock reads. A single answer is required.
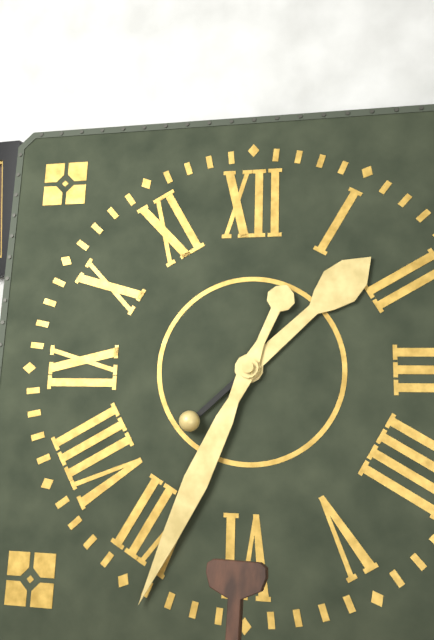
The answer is 1:34
